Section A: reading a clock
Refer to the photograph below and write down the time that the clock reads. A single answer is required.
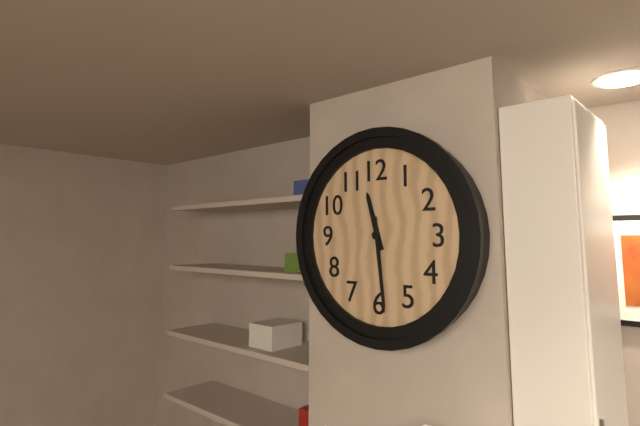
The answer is 11:29
